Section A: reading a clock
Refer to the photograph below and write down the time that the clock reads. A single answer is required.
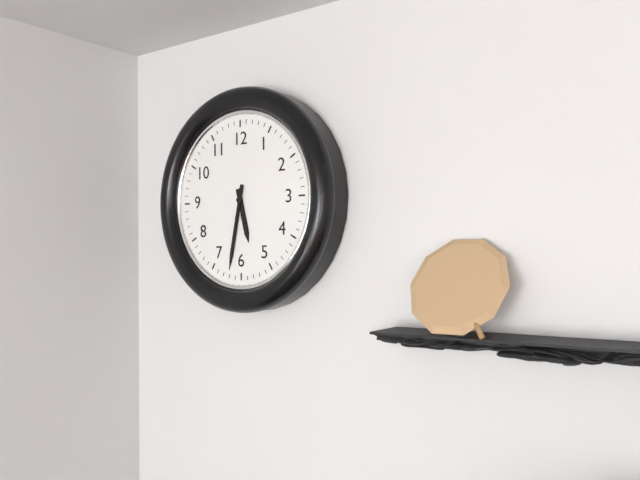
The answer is 5:32
